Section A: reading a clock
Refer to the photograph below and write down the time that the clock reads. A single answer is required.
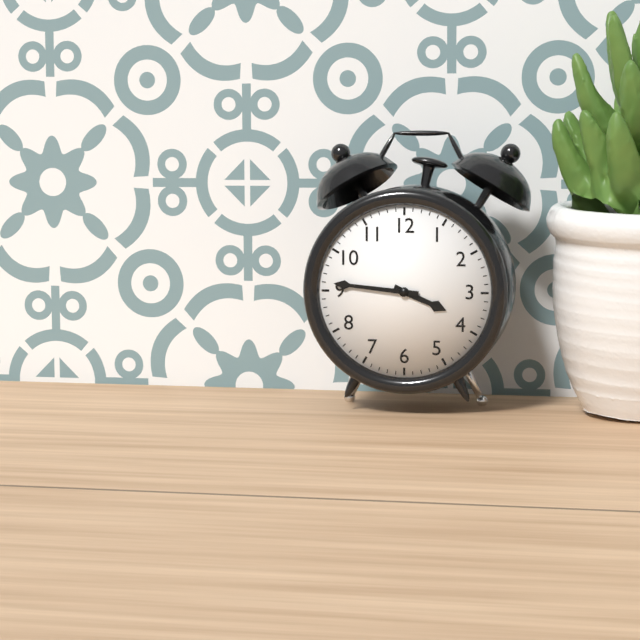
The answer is 3:46
